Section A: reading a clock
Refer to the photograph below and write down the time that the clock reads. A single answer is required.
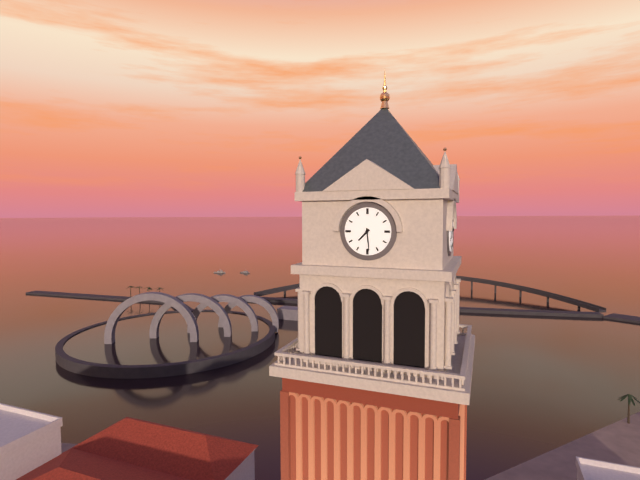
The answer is 7:29
